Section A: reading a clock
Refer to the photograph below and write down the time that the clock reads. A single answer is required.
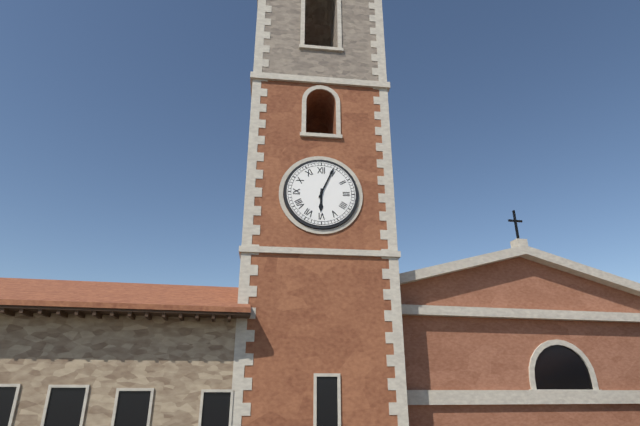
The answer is 6:04
